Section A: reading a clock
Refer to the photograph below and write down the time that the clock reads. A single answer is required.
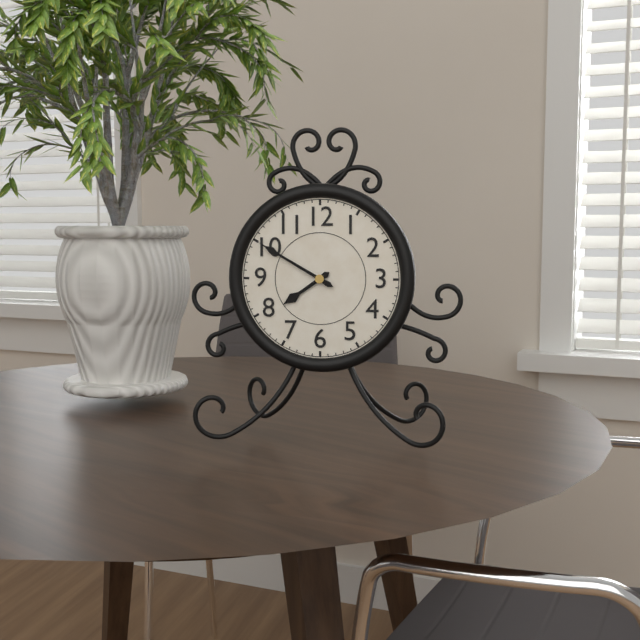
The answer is 7:50
